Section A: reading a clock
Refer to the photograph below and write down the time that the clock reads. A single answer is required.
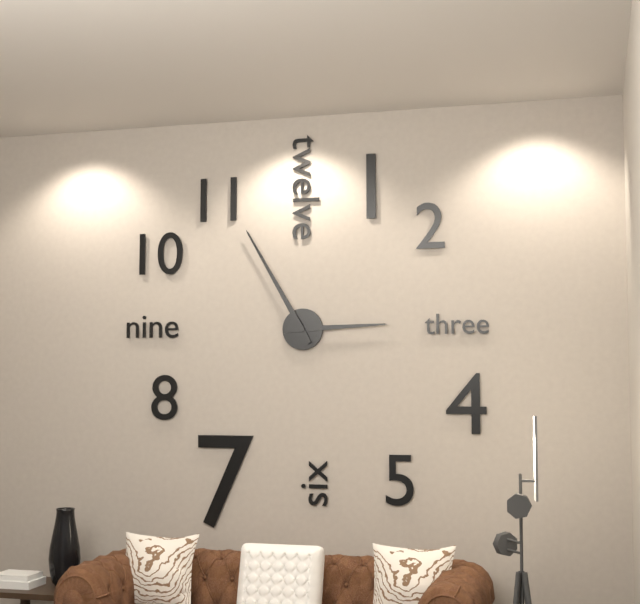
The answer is 2:55
